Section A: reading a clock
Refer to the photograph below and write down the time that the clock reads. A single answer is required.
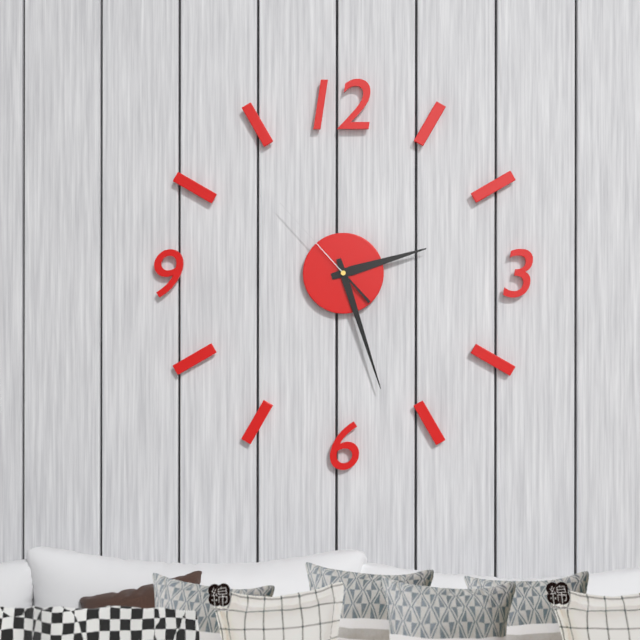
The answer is 2:27:53
